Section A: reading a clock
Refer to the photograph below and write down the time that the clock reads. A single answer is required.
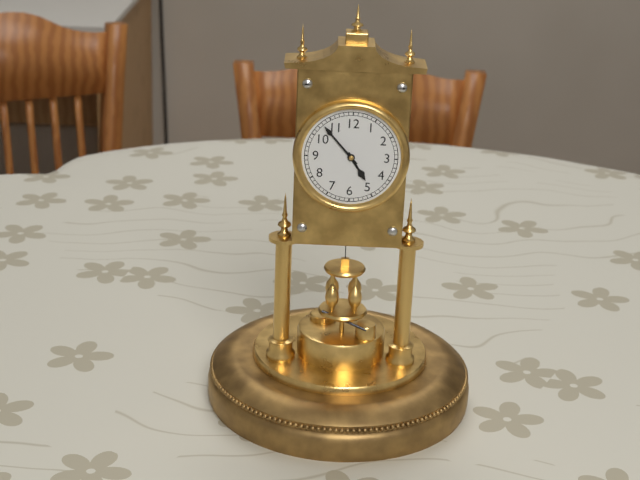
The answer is 4:53
